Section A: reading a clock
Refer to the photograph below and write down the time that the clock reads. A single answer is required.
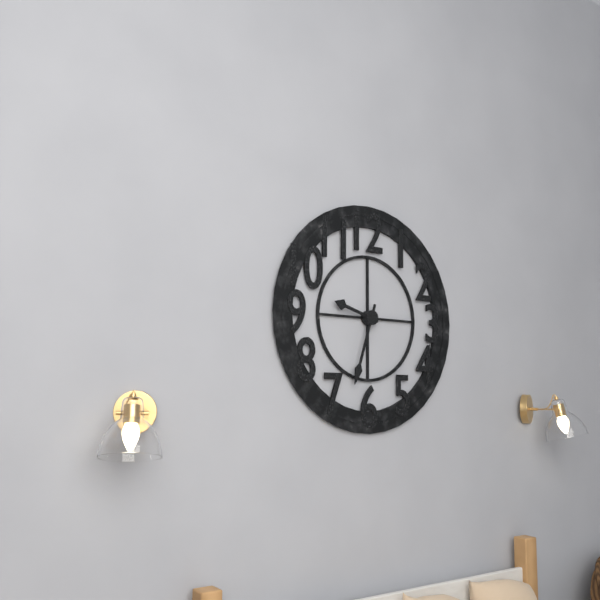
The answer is 9:33
